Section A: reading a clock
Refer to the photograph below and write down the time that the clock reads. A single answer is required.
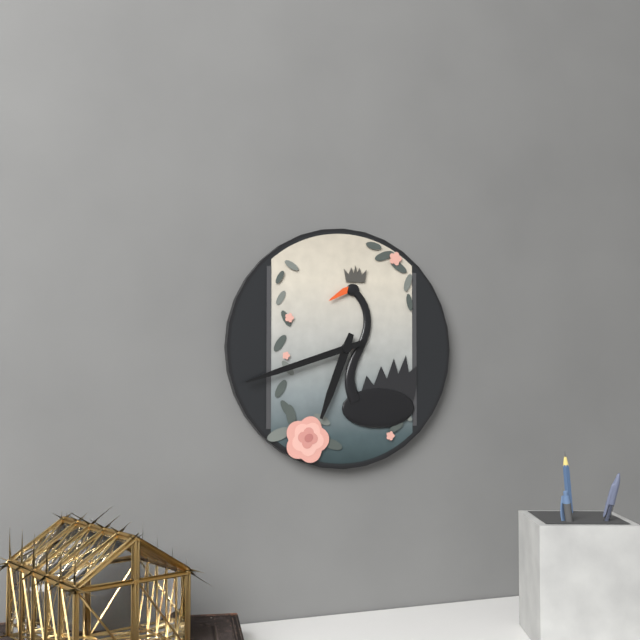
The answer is 6:42
